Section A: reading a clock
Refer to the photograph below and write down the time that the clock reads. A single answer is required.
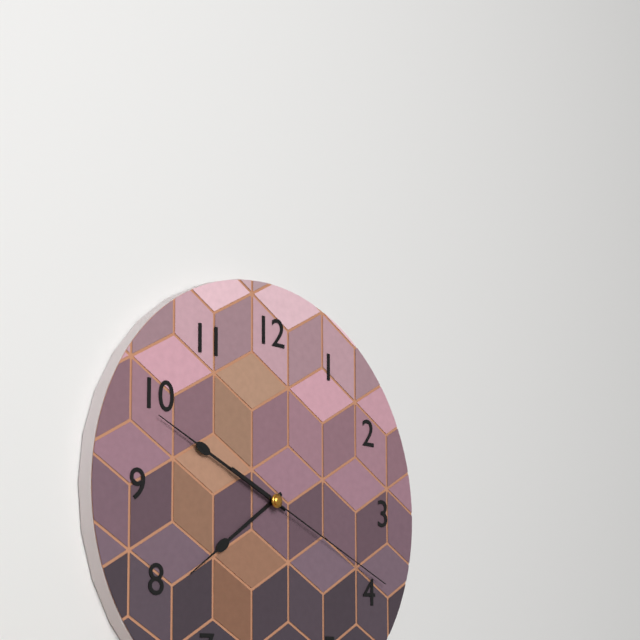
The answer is 7:49:19
